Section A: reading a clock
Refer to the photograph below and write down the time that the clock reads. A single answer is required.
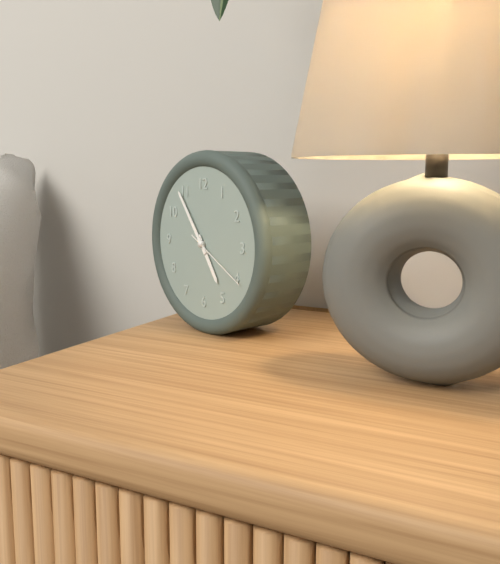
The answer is 4:54:20
